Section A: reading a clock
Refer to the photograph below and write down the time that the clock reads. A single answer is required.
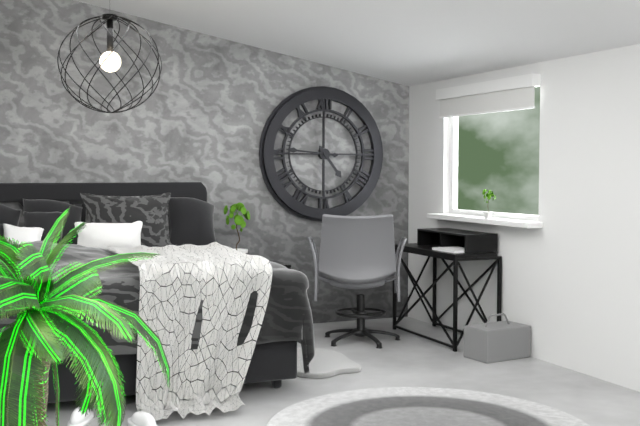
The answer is 4:46
